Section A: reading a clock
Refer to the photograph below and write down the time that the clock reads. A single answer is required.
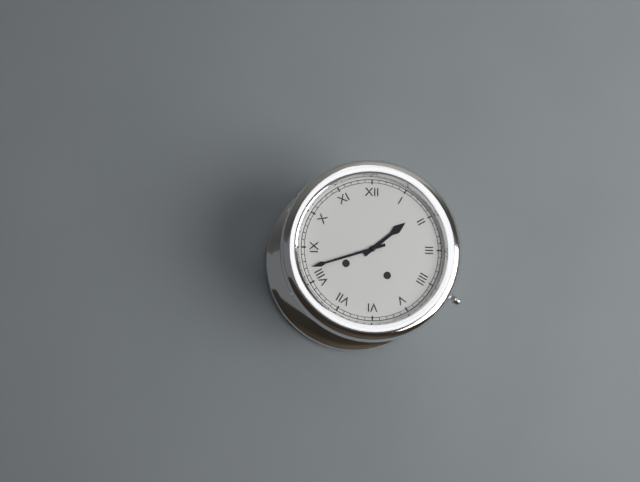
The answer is 1:42
